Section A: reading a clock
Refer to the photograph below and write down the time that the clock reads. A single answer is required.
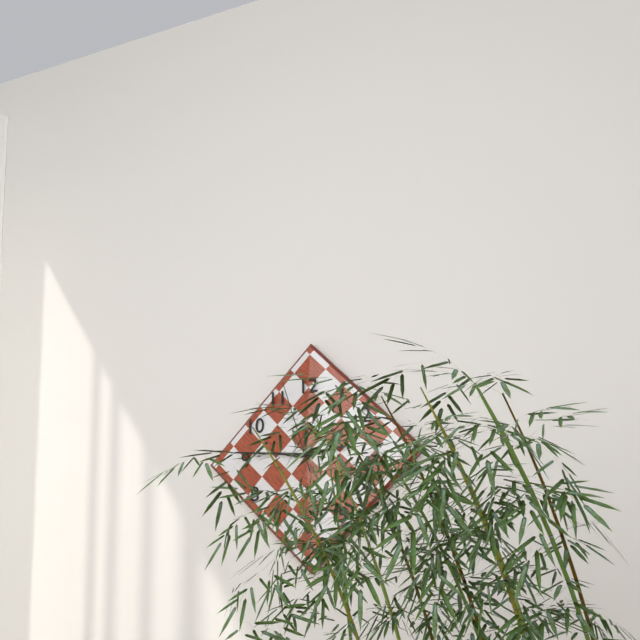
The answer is 2:46:57
